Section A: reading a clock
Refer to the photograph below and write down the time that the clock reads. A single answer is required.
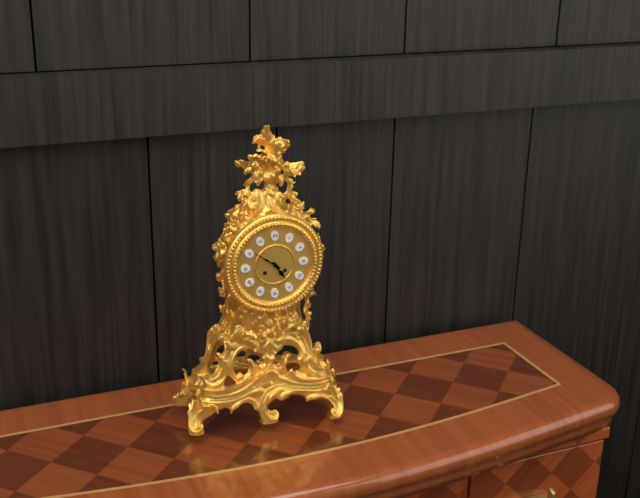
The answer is 4:51
